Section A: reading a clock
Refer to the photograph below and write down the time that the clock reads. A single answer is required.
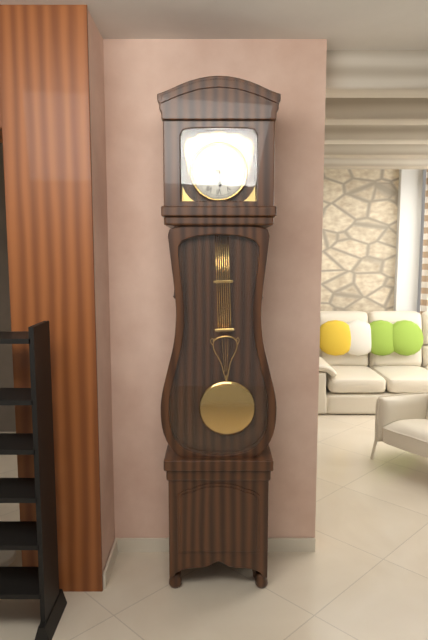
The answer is 5:50
